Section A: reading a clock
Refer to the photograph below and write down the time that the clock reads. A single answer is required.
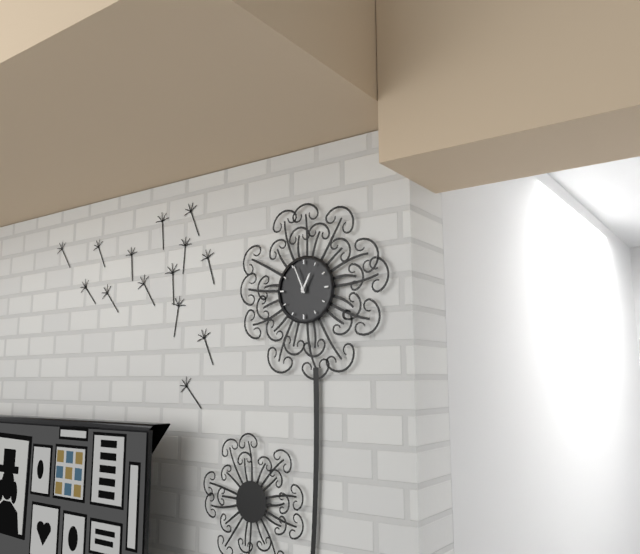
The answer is 12:56
